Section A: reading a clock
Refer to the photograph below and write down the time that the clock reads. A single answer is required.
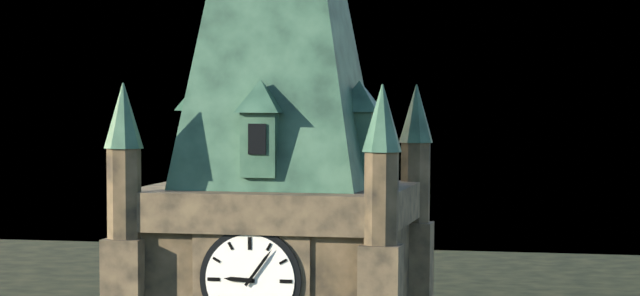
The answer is 9:06
